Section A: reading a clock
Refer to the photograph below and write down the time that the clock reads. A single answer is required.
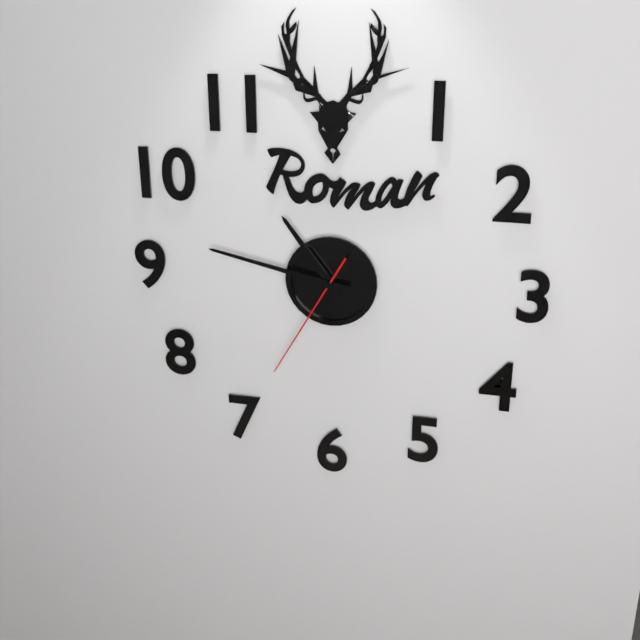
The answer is 10:47:35
